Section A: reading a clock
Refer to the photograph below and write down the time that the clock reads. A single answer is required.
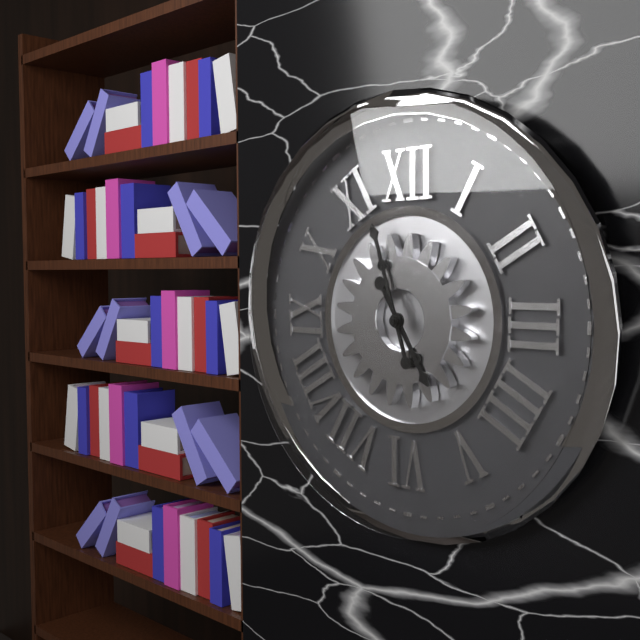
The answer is 4:57
